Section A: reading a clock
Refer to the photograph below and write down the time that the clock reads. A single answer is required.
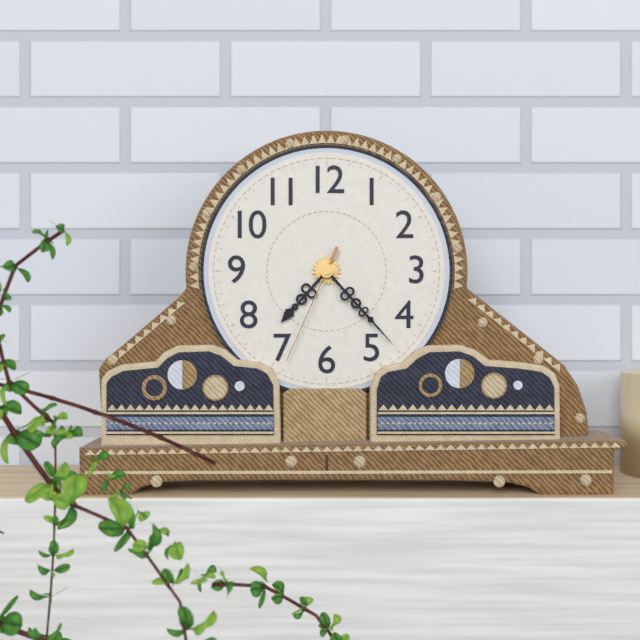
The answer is 7:23:34
